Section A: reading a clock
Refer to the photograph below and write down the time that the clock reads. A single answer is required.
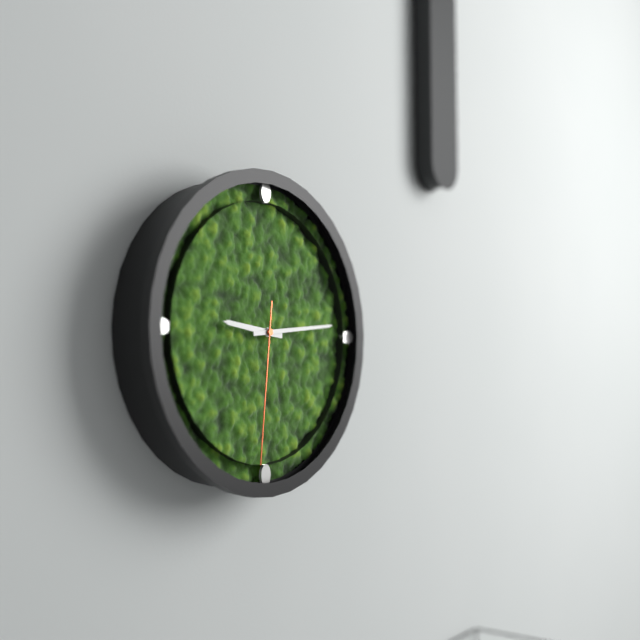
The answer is 9:14:31
